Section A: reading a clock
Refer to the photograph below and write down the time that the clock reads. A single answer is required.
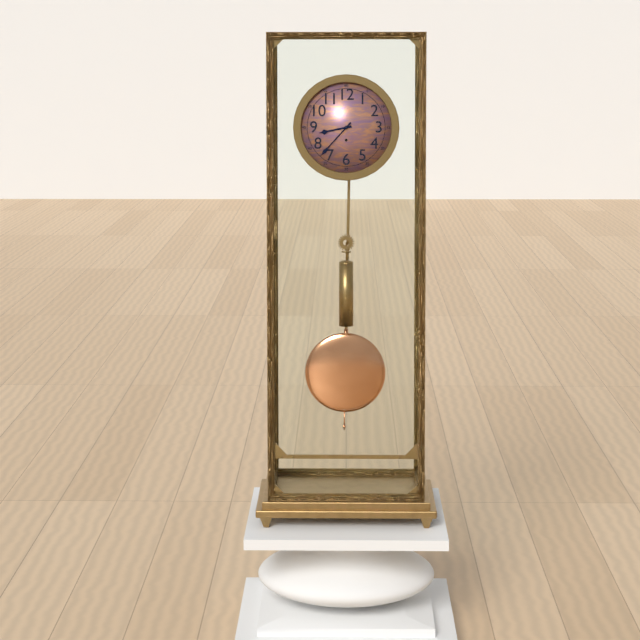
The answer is 8:37
